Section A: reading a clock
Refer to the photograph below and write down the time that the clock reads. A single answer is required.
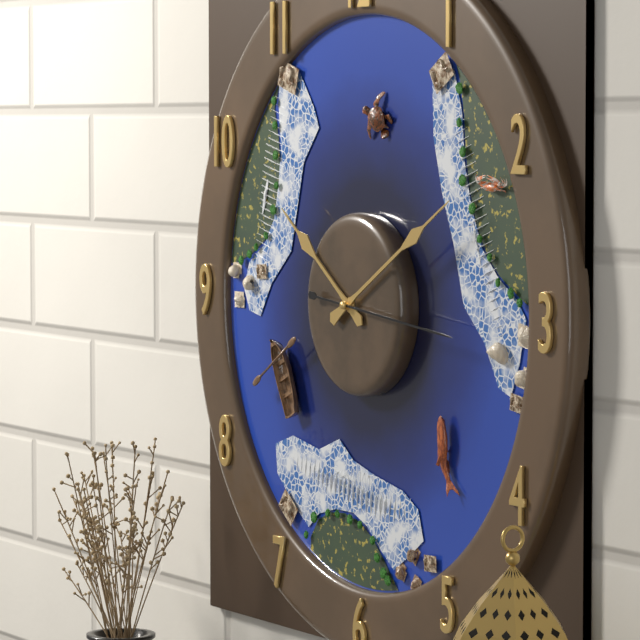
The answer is 10:10:16
